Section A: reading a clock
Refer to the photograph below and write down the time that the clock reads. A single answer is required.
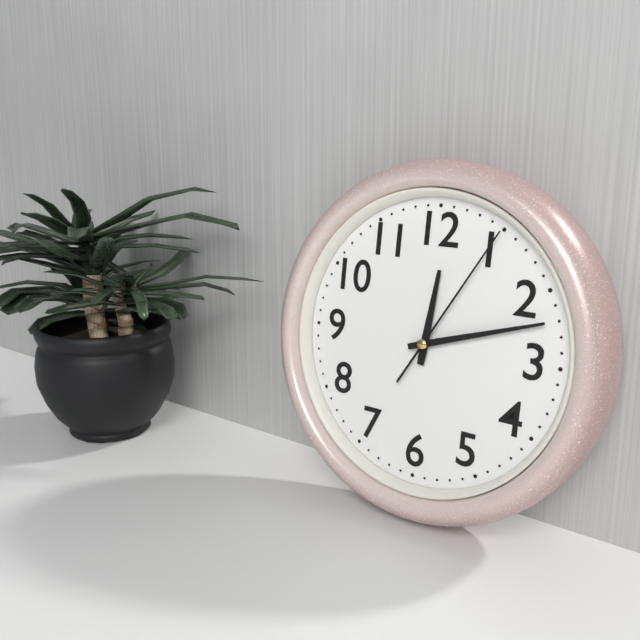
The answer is 12:12:05
